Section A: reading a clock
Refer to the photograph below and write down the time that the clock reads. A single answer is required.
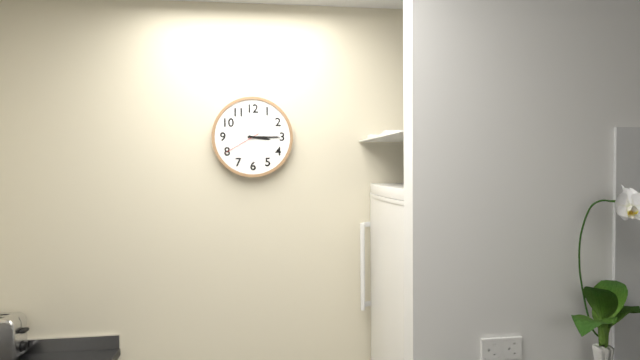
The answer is 3:15
